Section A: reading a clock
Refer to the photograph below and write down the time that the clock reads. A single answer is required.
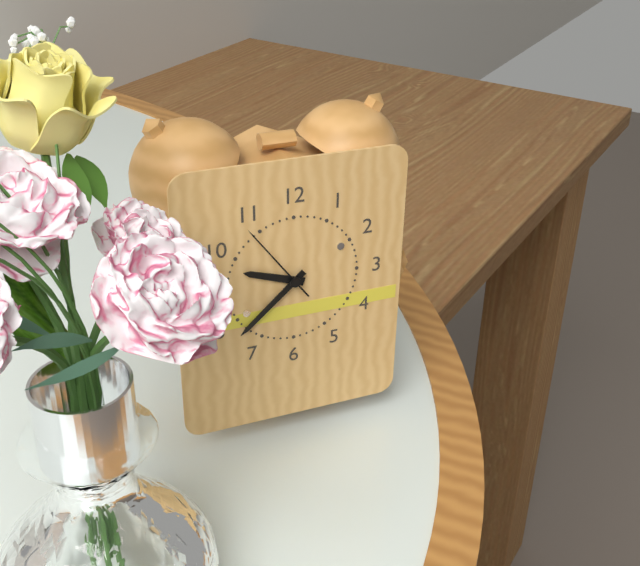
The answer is 9:38:54
